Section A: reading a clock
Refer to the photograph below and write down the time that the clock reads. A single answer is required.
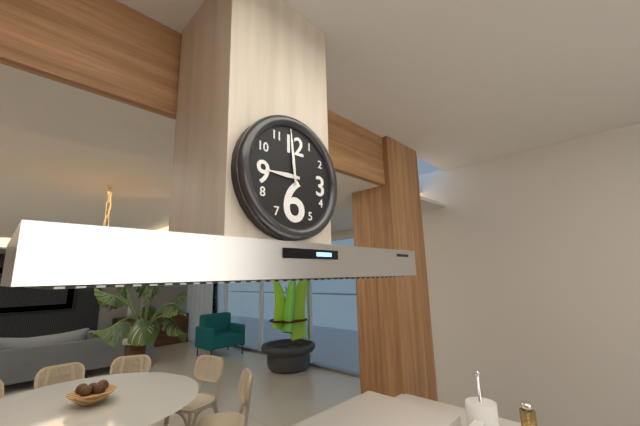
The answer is 8:59
